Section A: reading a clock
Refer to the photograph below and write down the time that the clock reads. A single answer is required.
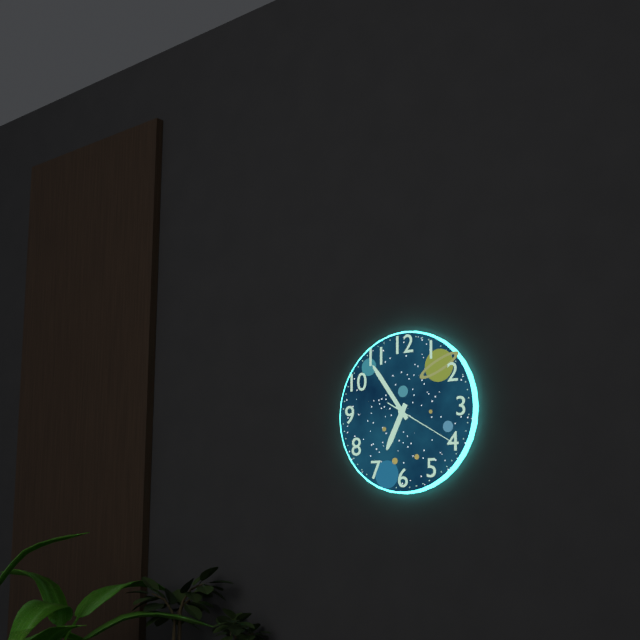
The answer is 6:54:20
